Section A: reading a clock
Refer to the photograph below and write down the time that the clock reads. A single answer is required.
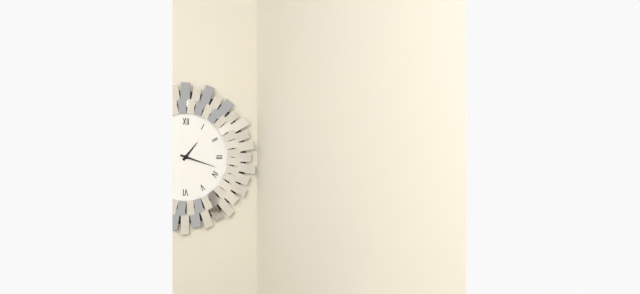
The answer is 1:18
